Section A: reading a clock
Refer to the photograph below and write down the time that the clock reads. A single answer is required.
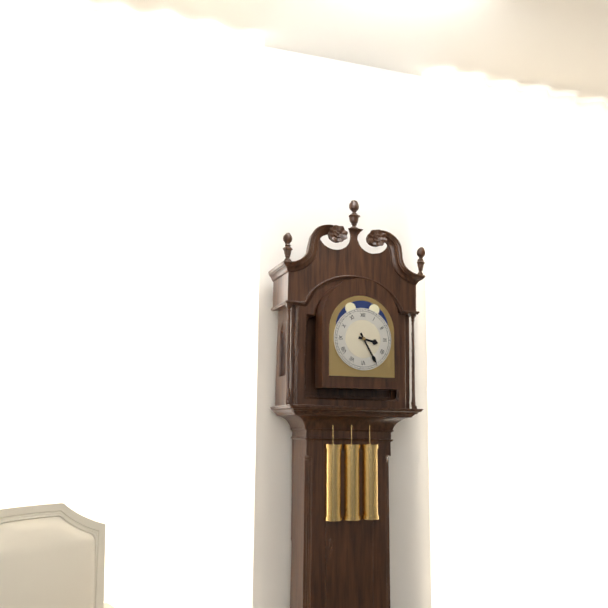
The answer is 3:25
